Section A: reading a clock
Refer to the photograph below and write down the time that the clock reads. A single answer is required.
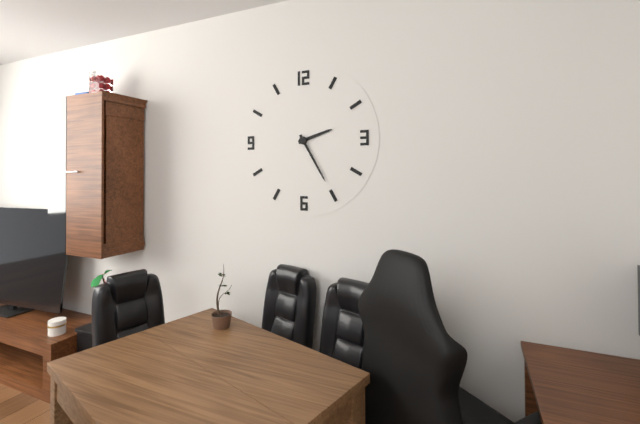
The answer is 2:25
